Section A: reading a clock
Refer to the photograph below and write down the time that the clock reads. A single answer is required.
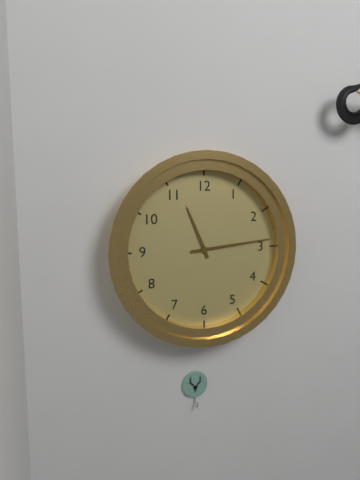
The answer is 11:14
